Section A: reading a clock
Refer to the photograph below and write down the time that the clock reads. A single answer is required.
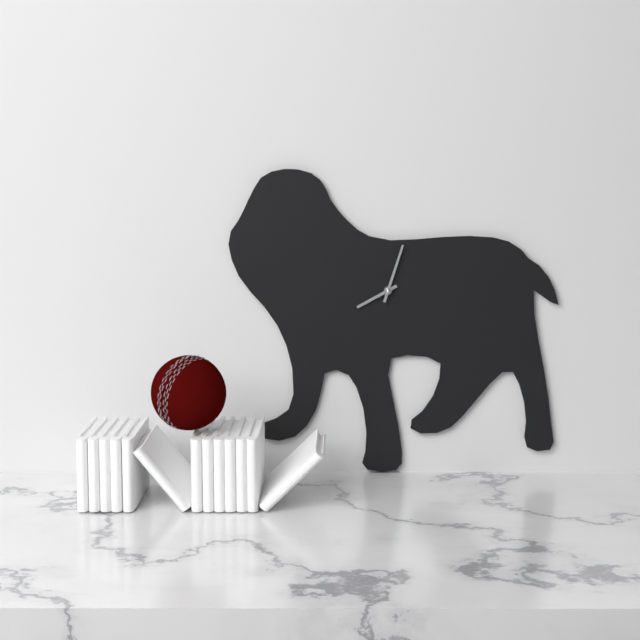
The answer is 8:03
